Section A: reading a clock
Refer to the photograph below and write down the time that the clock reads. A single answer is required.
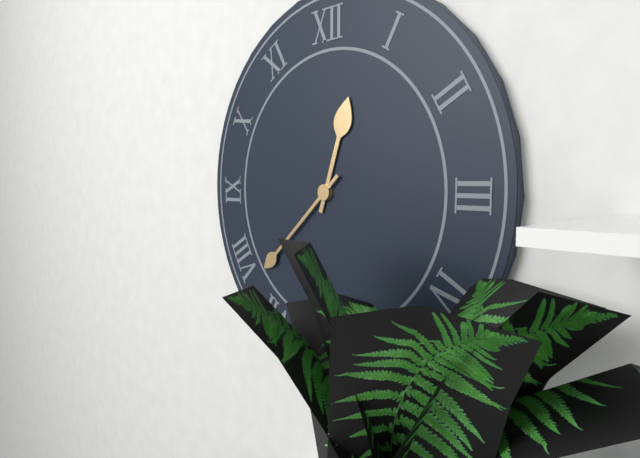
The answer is 12:38
